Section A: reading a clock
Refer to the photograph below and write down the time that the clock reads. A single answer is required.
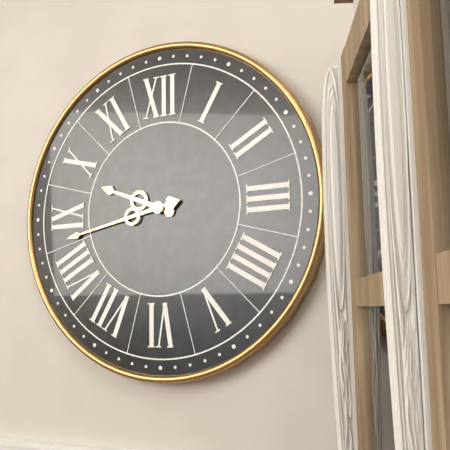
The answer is 9:43
